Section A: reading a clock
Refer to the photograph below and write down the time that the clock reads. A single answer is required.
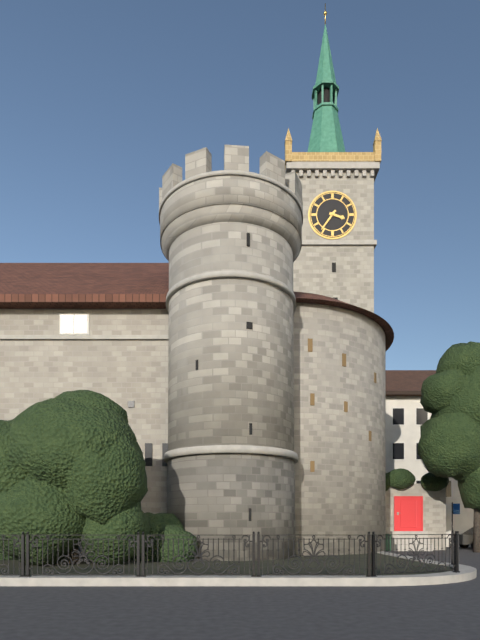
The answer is 3:36
